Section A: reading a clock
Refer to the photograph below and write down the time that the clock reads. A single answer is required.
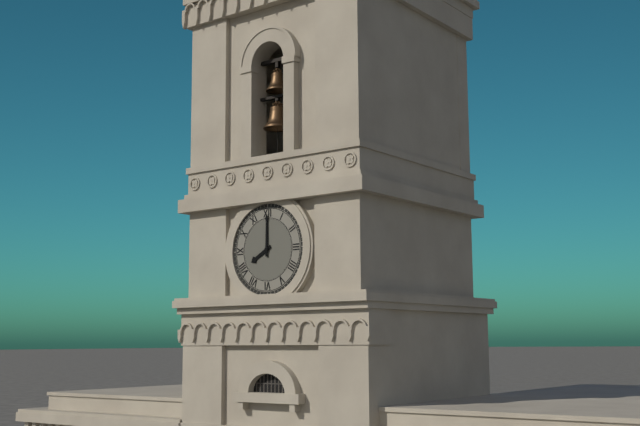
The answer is 8:00
